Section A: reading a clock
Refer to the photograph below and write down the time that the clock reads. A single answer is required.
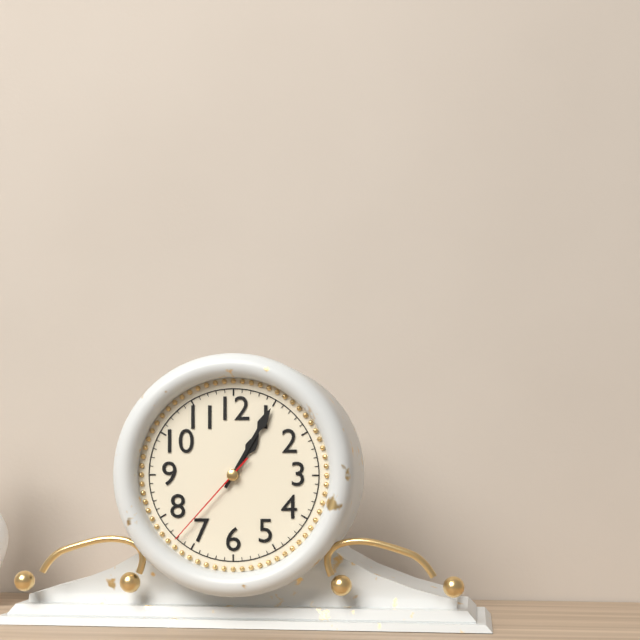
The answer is 1:05:37
